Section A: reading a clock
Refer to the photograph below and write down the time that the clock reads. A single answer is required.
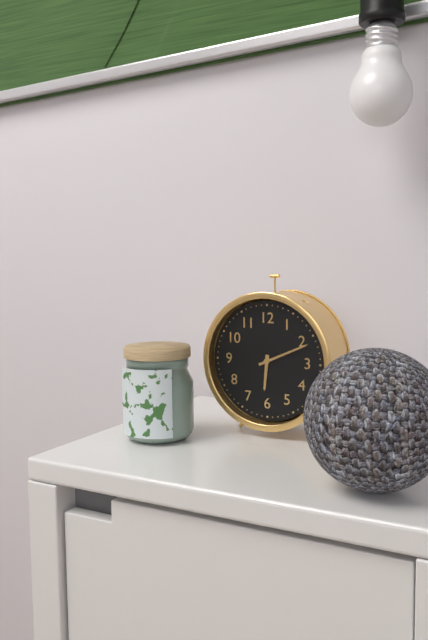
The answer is 6:11
